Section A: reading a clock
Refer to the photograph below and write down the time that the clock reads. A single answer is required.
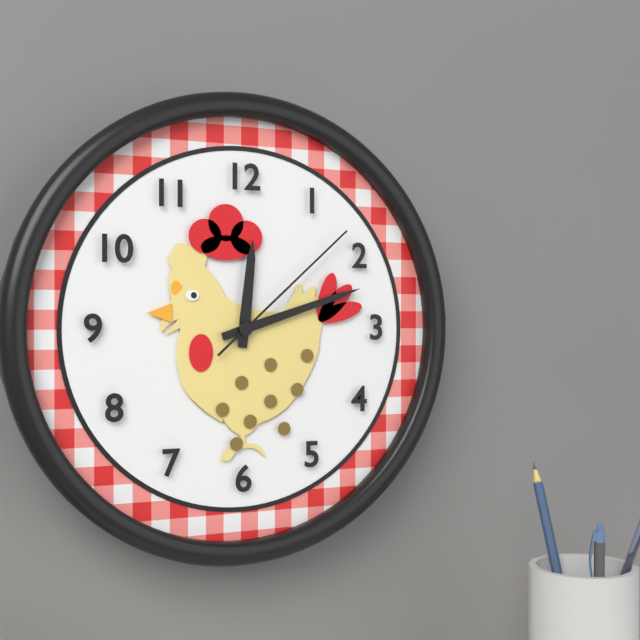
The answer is 12:12:08
